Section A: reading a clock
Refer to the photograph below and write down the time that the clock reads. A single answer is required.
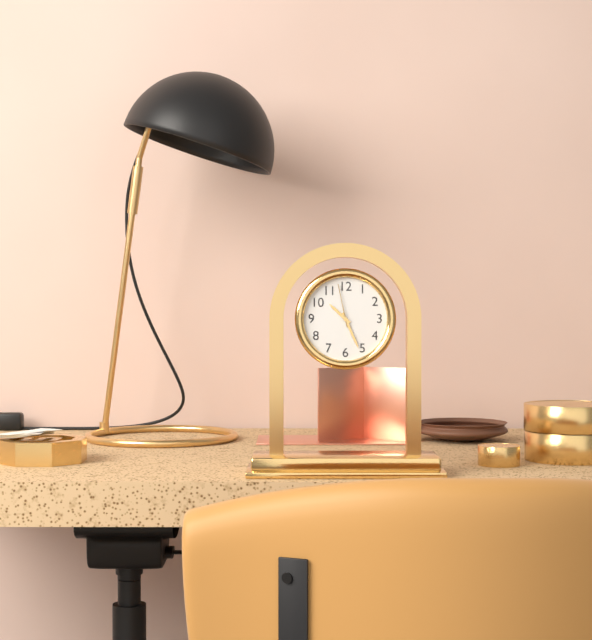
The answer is 10:26
